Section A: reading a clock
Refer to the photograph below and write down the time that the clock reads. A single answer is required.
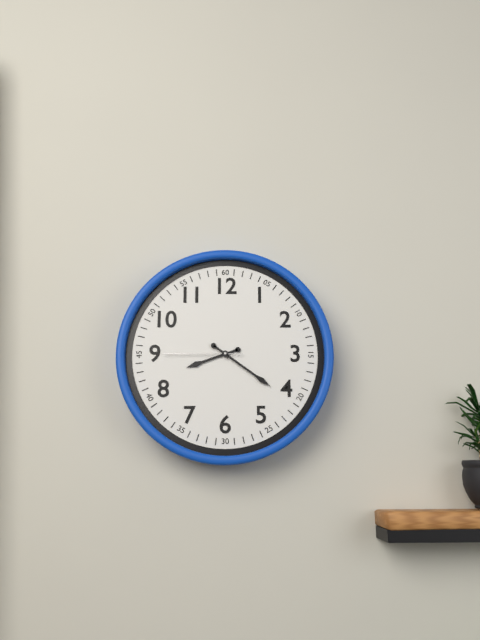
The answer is 8:21:45
